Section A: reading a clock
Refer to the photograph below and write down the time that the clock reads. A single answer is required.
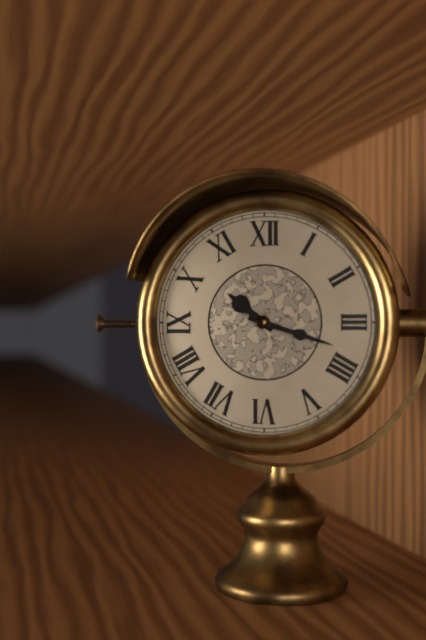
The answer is 10:18
